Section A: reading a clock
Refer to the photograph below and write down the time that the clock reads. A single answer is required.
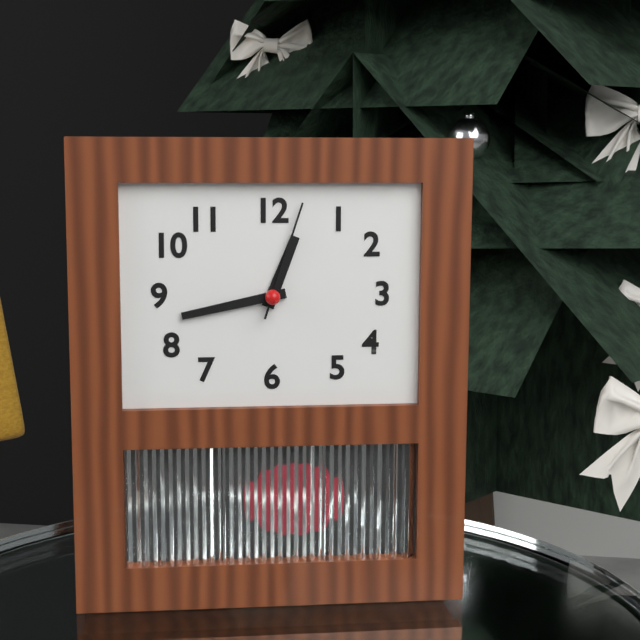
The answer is 12:43:03
